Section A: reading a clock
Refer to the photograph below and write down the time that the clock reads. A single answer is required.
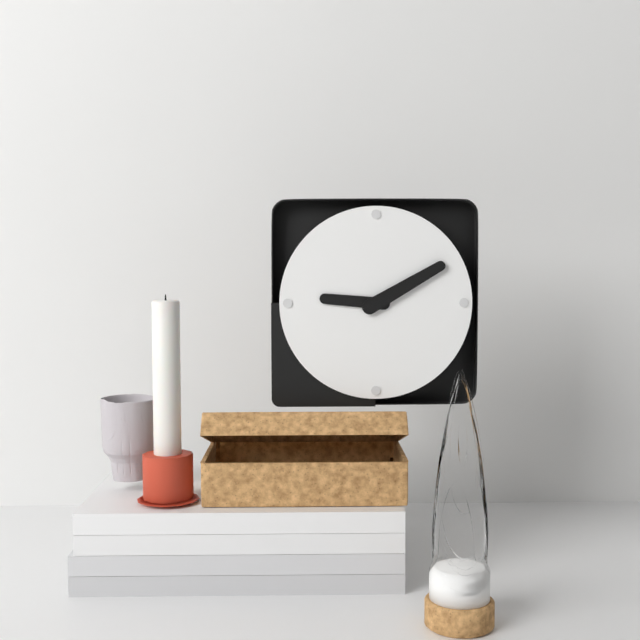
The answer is 9:10
